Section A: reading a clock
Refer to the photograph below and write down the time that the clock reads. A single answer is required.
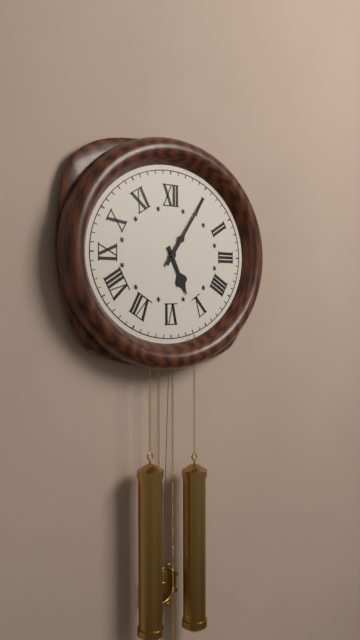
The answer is 5:06
